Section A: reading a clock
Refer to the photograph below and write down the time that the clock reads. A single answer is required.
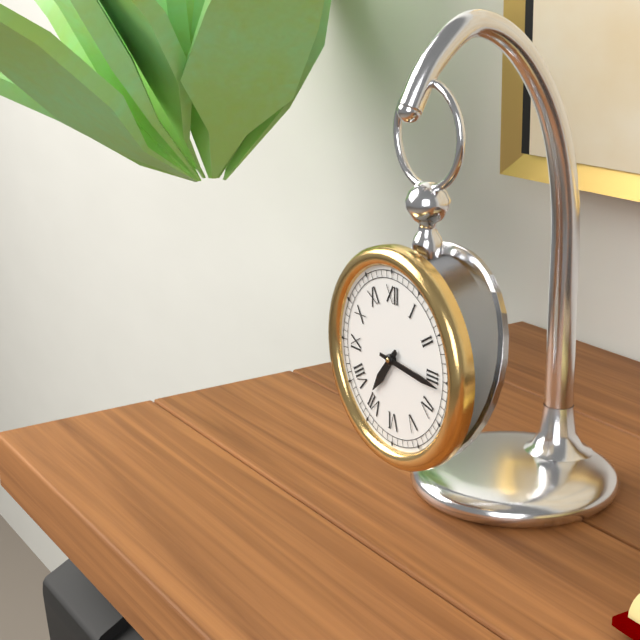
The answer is 7:16
